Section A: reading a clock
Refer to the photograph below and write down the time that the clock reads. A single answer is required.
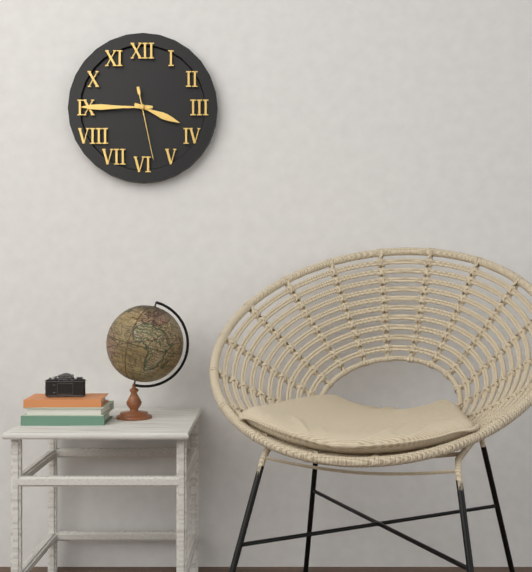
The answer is 3:45:28
